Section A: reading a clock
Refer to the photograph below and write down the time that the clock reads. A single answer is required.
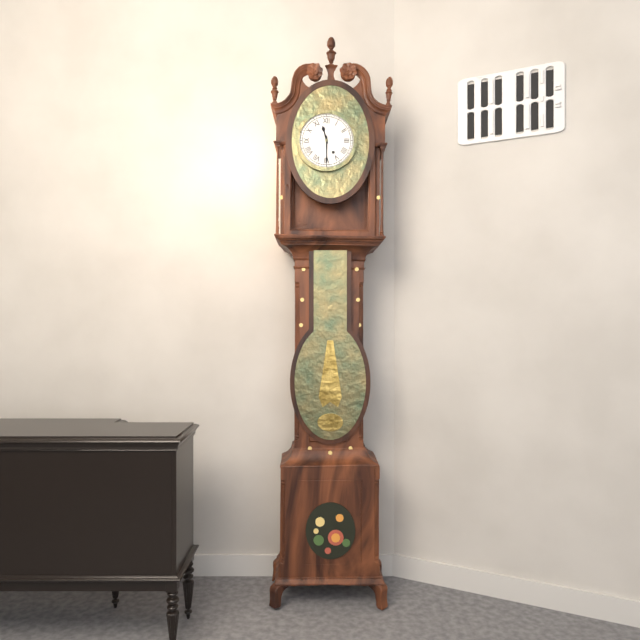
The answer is 11:30
